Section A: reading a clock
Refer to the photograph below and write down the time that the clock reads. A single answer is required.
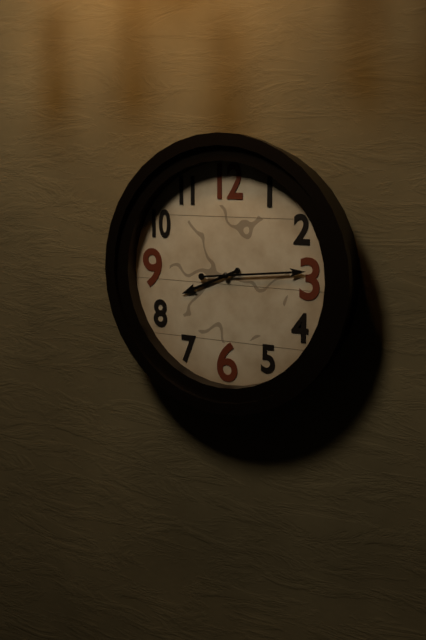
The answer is 8:14
